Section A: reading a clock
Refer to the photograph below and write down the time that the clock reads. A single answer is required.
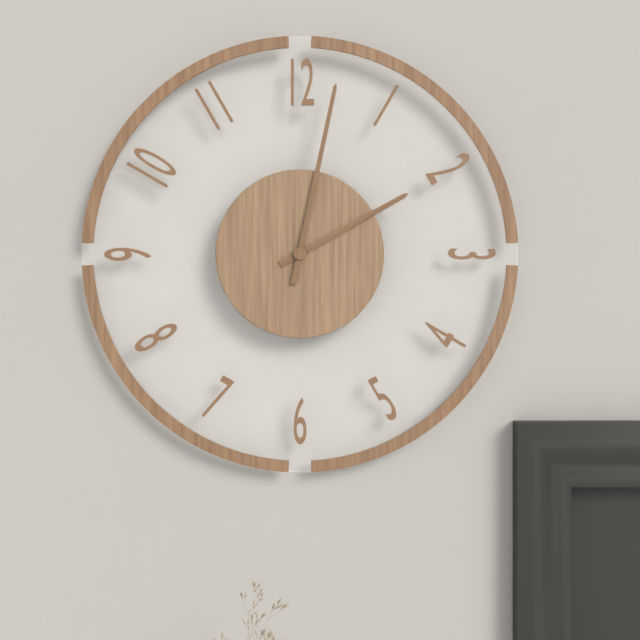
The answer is 2:02
